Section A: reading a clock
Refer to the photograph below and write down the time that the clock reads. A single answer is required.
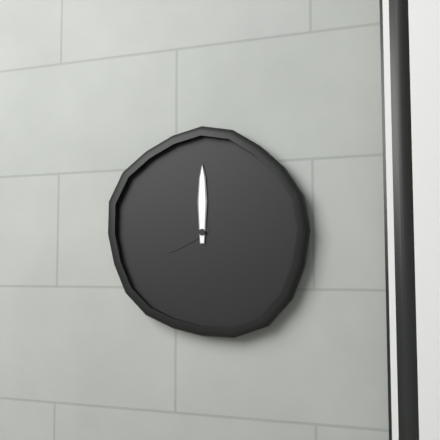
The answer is 8:00
